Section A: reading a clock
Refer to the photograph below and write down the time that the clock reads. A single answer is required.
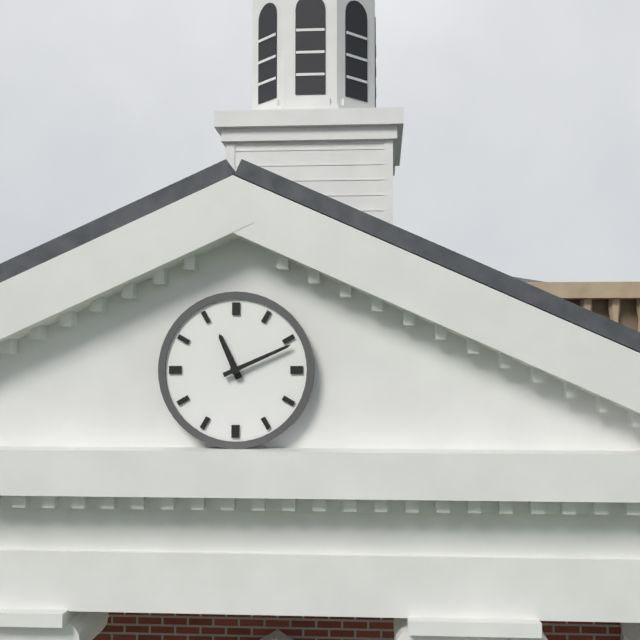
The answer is 11:11
